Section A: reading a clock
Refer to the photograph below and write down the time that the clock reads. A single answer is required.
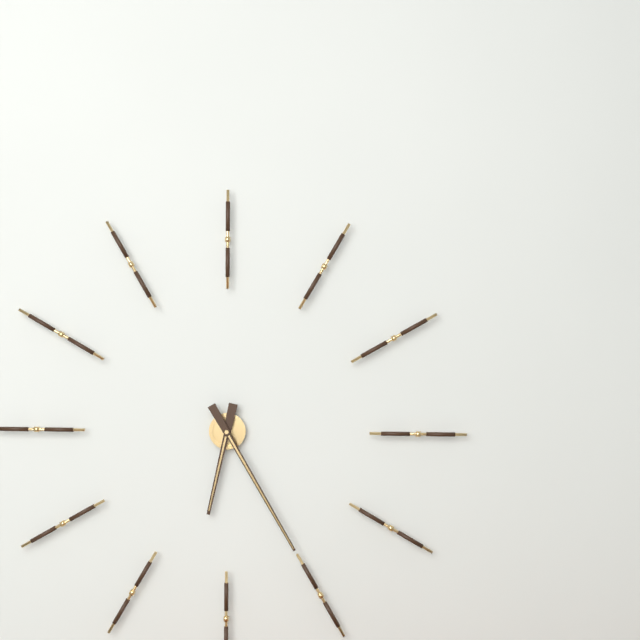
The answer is 6:25
